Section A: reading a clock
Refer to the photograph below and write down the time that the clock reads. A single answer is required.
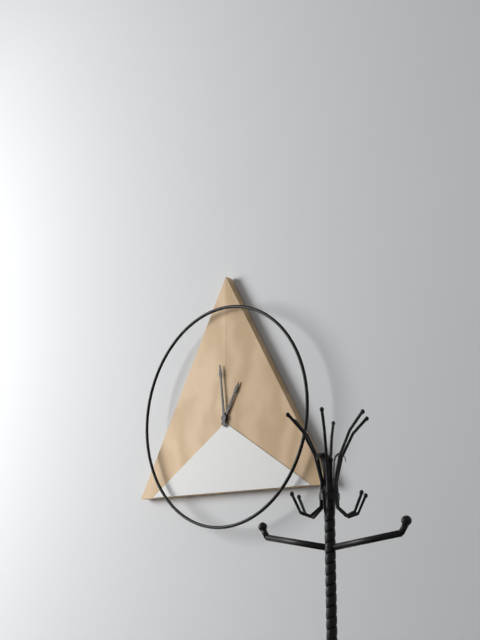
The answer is 12:59
